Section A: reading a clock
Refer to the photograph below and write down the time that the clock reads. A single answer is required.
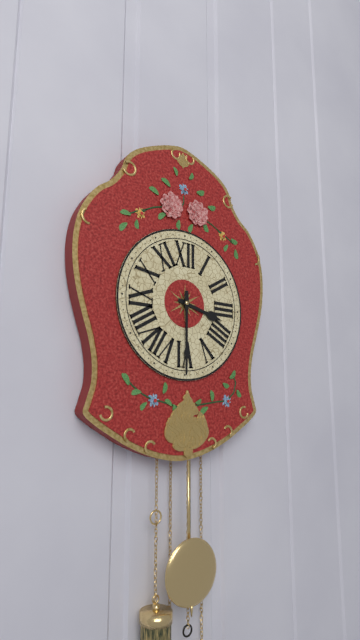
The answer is 3:30
